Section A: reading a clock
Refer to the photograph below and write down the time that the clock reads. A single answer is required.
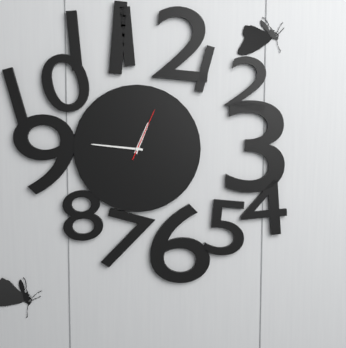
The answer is 12:46:04
